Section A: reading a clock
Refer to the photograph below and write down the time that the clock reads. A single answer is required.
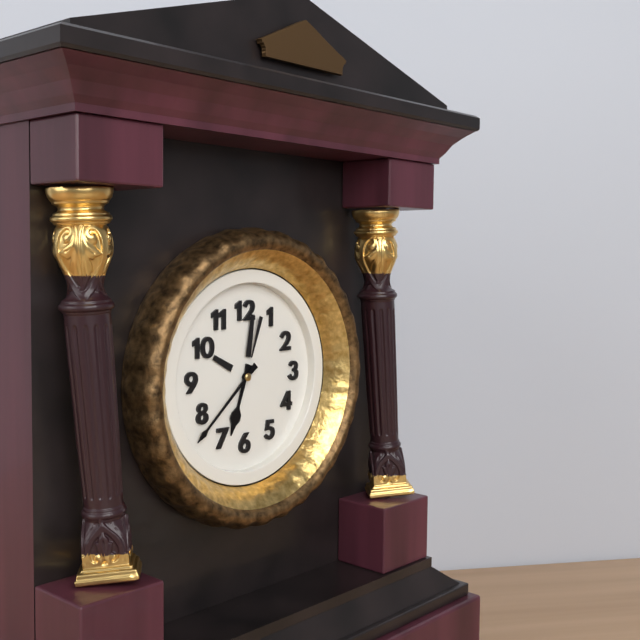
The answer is 6:38
